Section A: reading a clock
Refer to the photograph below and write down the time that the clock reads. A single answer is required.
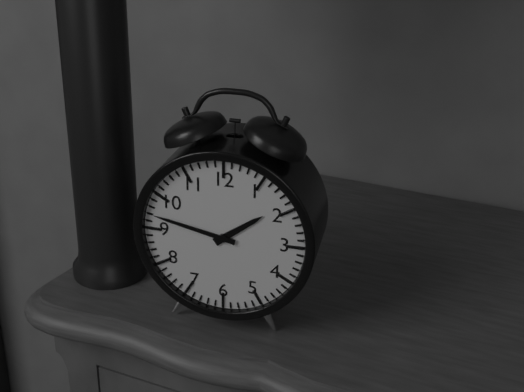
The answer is 1:47
